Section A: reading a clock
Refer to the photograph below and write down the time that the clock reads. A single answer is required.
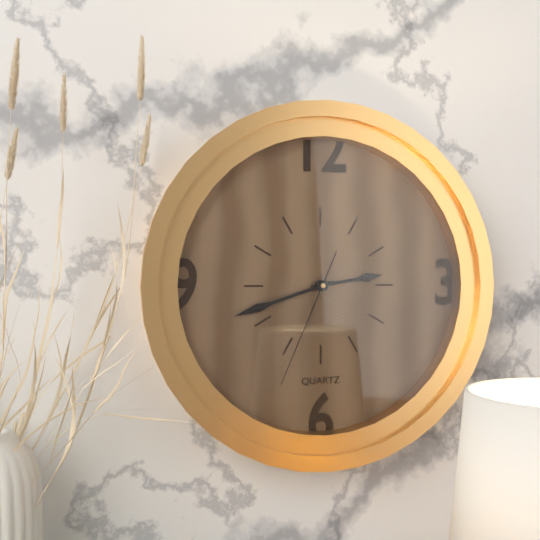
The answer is 2:42:34
